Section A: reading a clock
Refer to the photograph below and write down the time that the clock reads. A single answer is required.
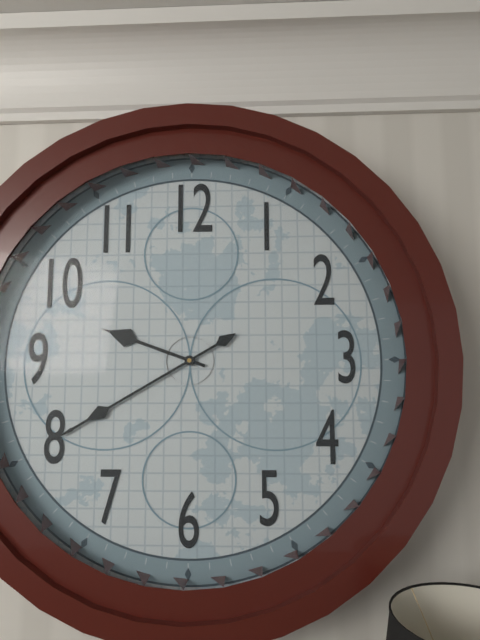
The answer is 9:40
